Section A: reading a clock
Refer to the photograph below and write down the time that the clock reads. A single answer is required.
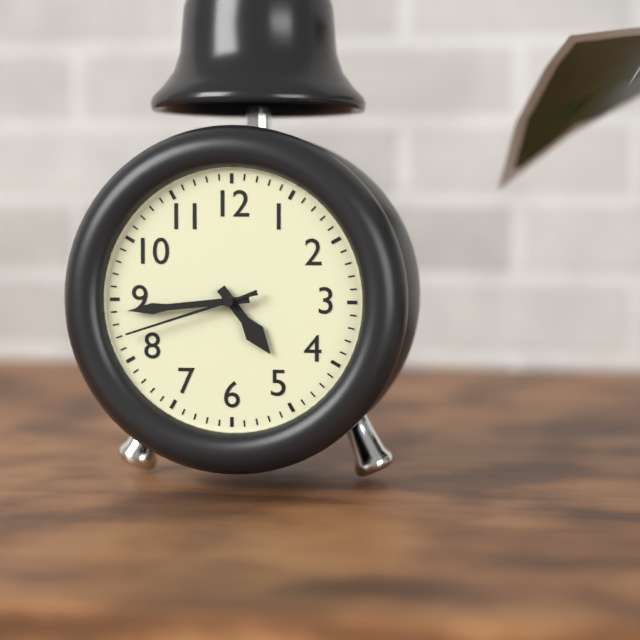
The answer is 4:44:42
